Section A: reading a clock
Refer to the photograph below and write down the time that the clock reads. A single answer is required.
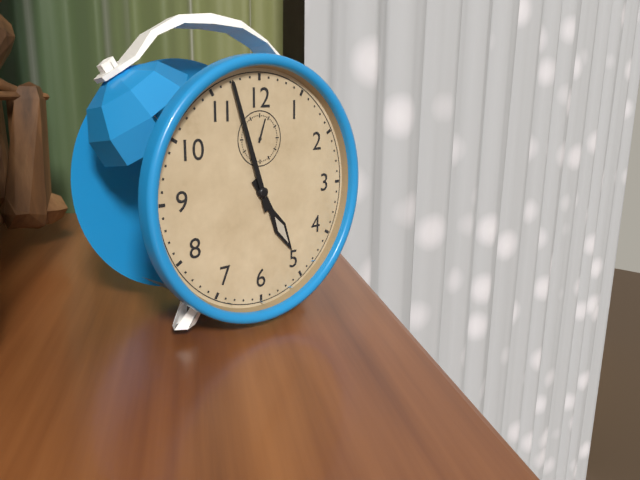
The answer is 4:57
